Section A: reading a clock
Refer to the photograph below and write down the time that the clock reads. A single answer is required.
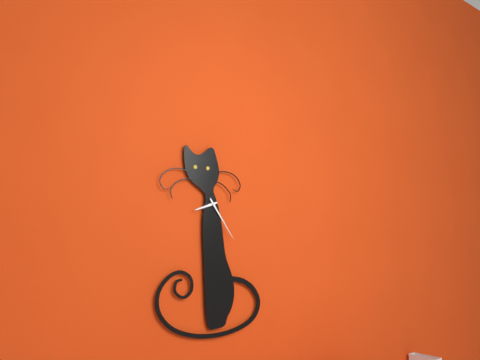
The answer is 8:24
